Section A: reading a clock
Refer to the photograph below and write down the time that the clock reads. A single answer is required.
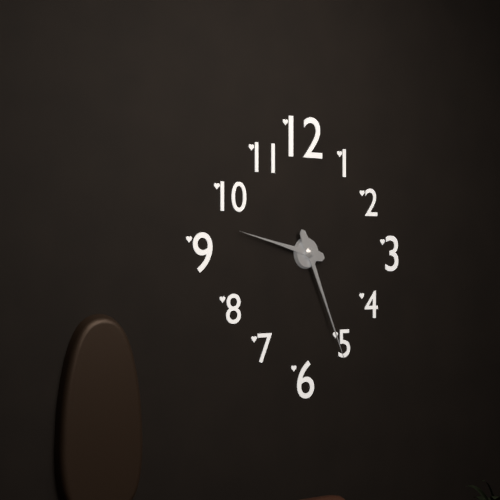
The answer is 9:26
